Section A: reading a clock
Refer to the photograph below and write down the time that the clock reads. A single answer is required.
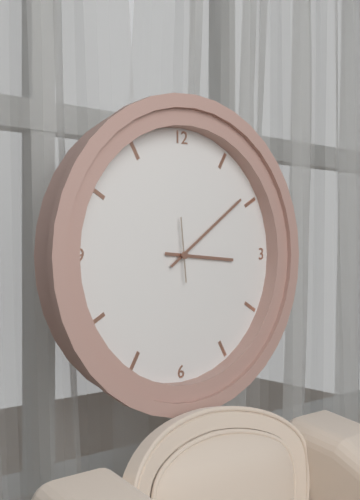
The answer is 3:09
